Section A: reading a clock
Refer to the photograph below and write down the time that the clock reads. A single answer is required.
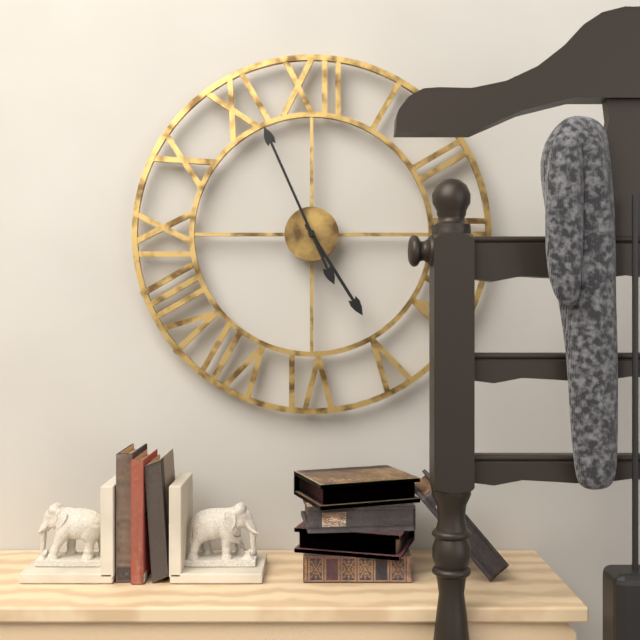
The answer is 4:56
